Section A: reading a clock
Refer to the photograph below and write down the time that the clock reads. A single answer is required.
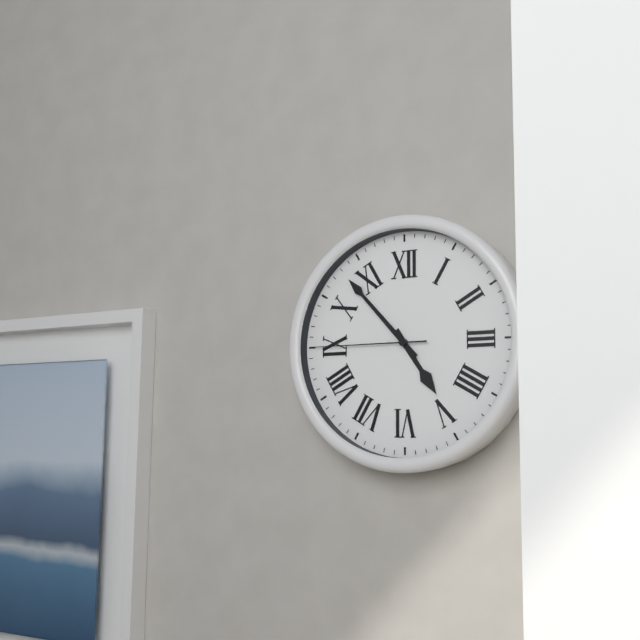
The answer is 4:53:45
